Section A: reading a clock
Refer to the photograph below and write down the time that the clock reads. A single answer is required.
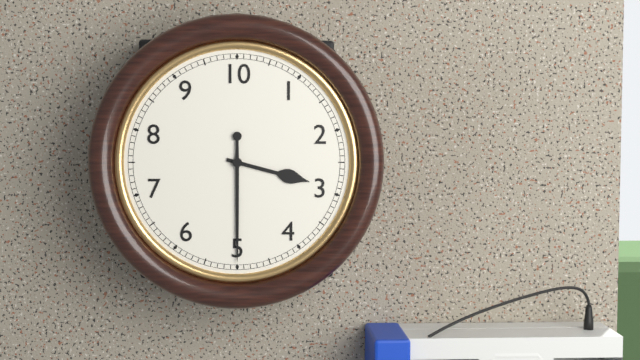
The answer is 3:30
